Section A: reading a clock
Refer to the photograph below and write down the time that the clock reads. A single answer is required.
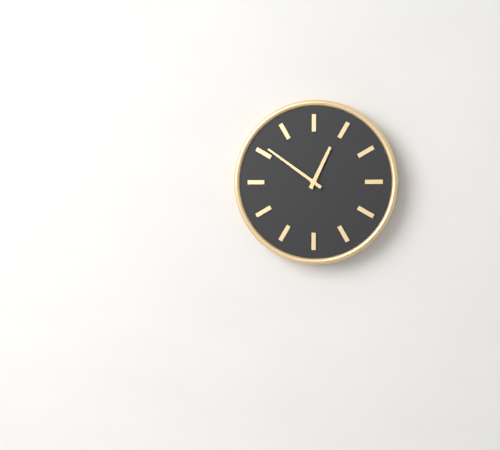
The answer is 12:51
